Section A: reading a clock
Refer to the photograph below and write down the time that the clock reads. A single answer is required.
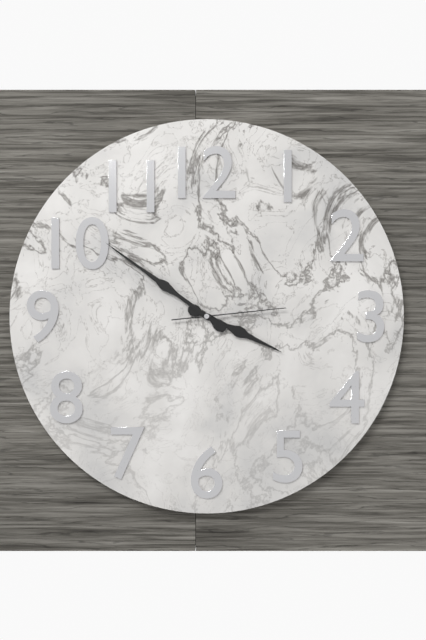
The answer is 3:51:14
